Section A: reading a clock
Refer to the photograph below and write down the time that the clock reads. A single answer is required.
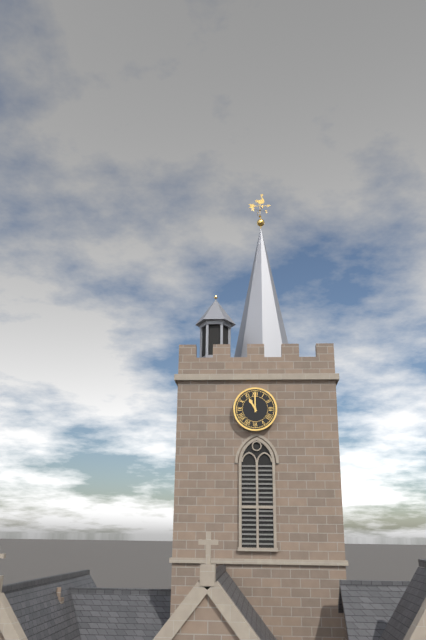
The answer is 11:00
